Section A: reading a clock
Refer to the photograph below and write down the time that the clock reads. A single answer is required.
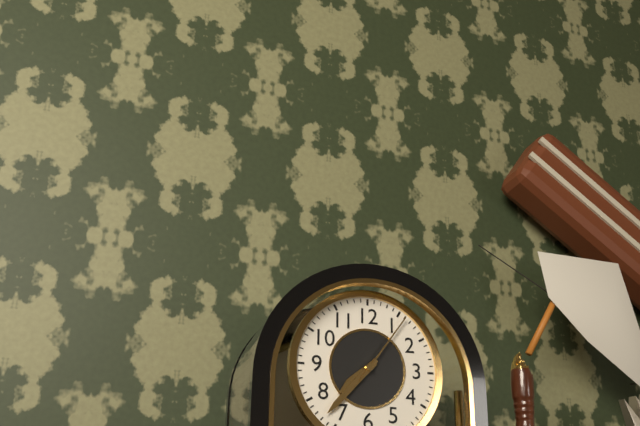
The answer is 7:37:06
